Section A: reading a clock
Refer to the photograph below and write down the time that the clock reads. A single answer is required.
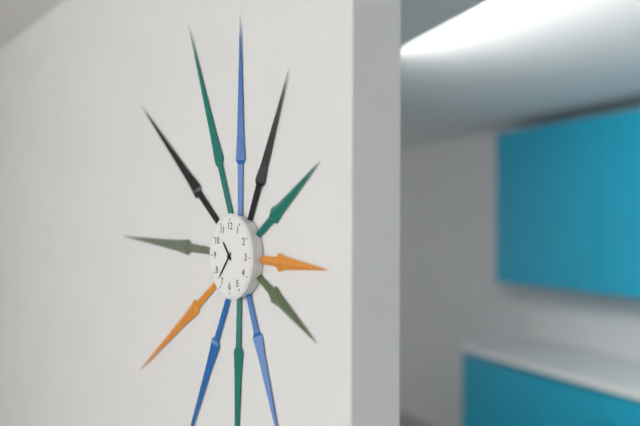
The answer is 10:37
